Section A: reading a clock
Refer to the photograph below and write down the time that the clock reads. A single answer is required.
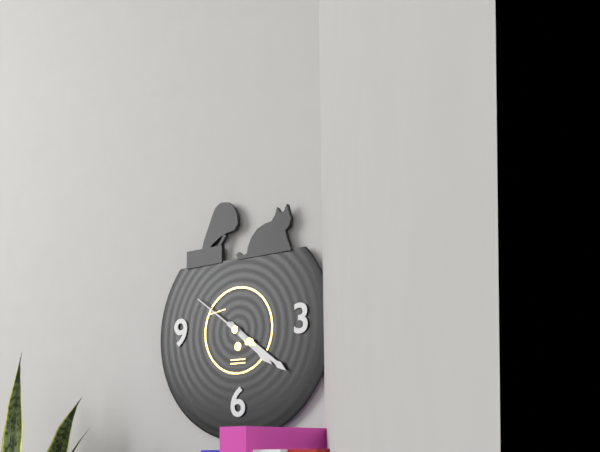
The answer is 4:21:51
